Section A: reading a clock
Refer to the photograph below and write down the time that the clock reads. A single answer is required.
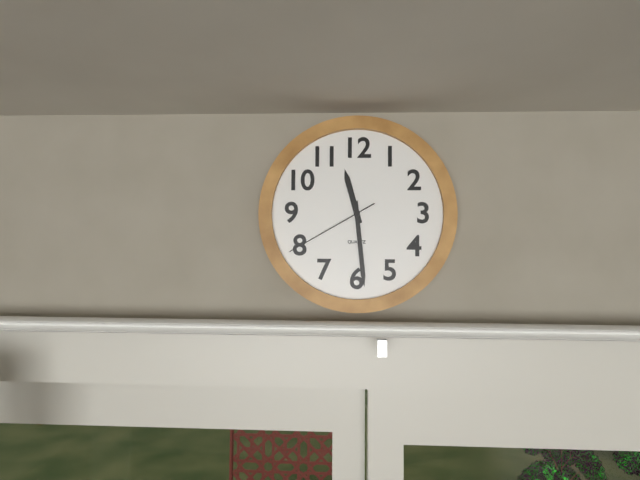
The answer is 11:29:40
